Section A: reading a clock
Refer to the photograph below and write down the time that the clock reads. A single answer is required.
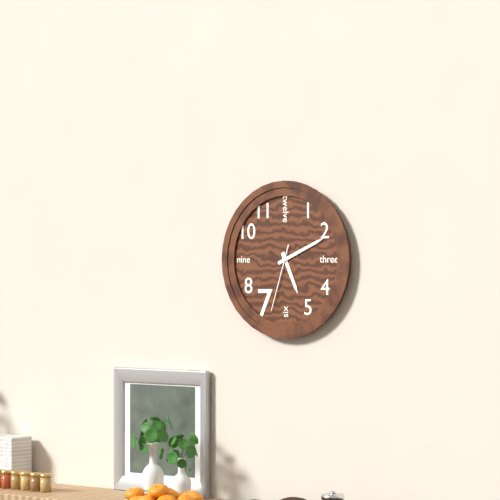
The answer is 5:11:33
